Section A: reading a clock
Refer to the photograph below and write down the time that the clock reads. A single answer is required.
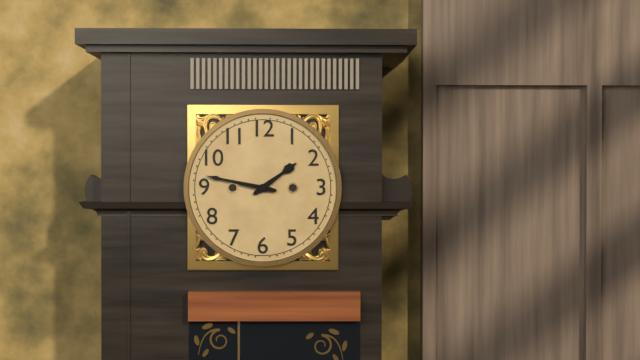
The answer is 1:47
